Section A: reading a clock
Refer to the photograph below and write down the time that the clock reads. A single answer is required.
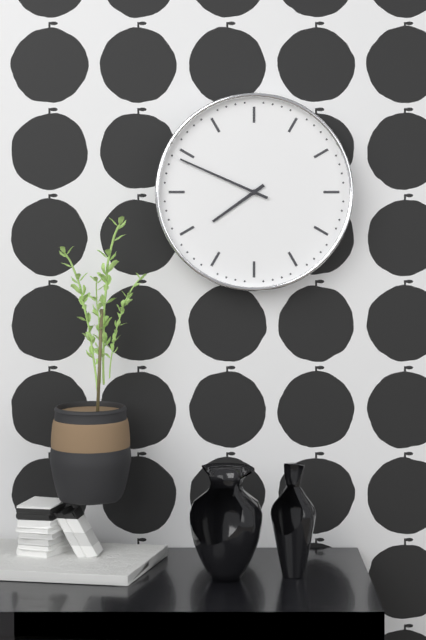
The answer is 7:49
